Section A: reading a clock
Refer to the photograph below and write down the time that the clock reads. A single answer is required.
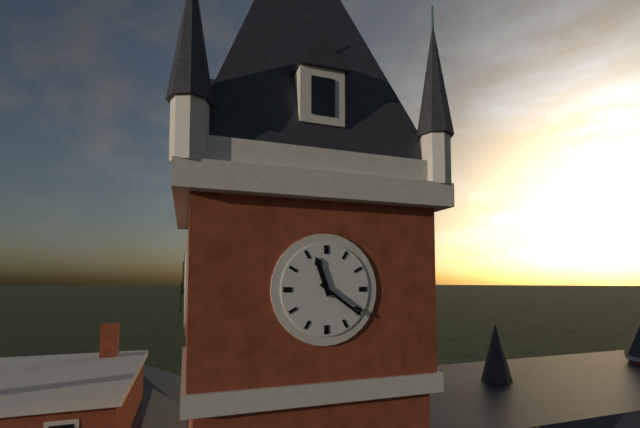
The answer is 11:21
